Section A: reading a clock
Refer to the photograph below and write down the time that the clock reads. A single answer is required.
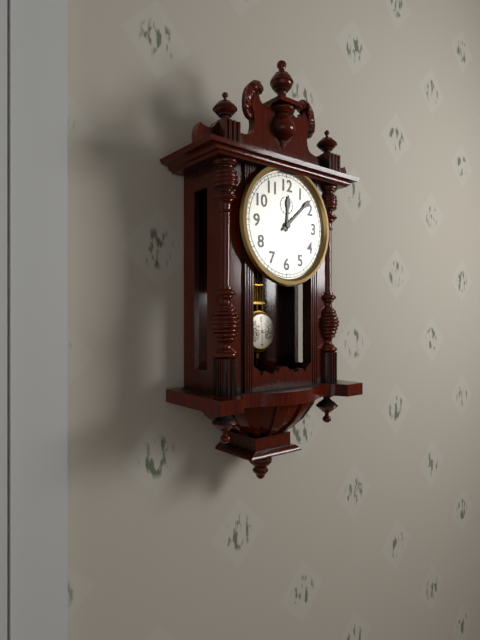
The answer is 12:08
